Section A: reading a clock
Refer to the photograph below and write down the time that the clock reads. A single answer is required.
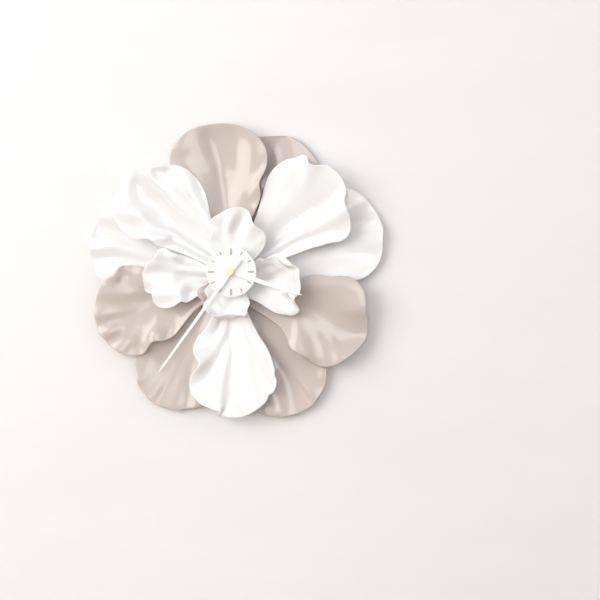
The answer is 3:36
